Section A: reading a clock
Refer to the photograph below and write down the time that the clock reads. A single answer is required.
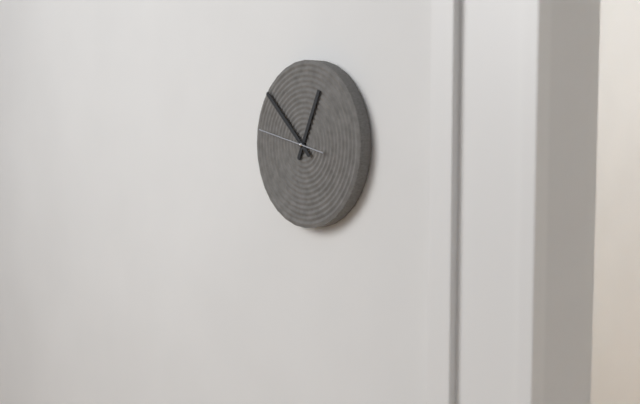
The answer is 12:52:47
